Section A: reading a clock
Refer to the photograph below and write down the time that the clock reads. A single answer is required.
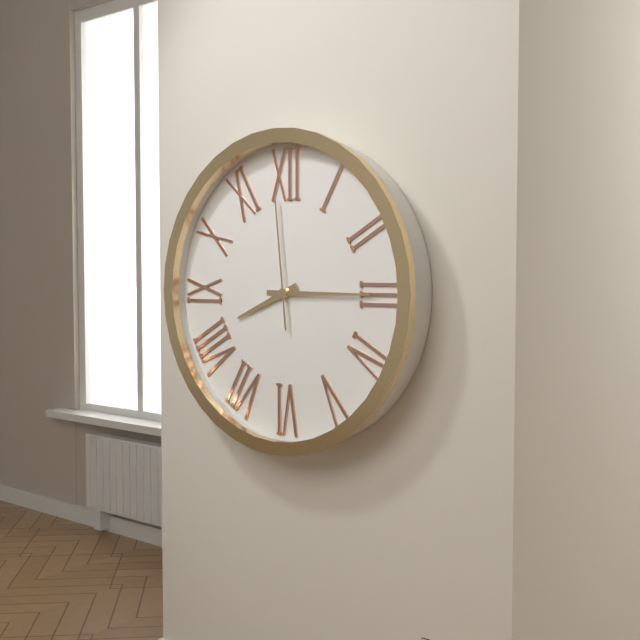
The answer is 8:15:59
